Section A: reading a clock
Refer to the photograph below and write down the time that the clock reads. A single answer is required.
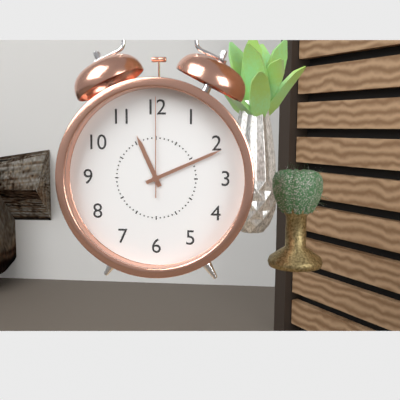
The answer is 11:11:00
